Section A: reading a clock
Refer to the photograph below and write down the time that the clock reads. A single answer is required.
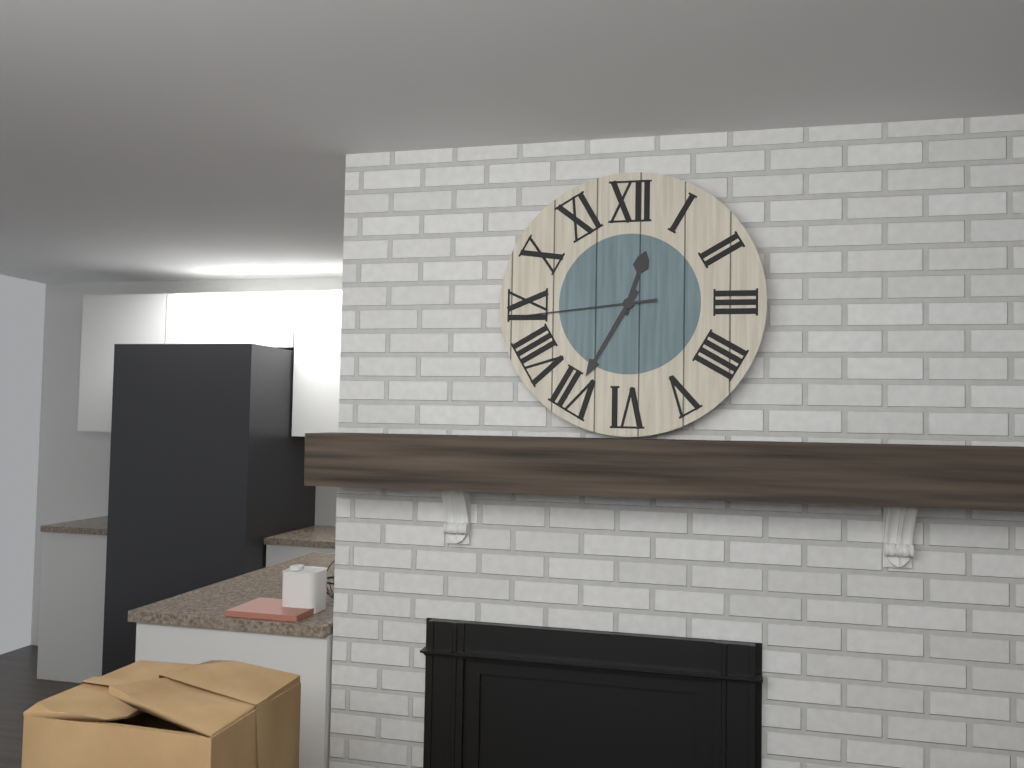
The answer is 12:35:44
